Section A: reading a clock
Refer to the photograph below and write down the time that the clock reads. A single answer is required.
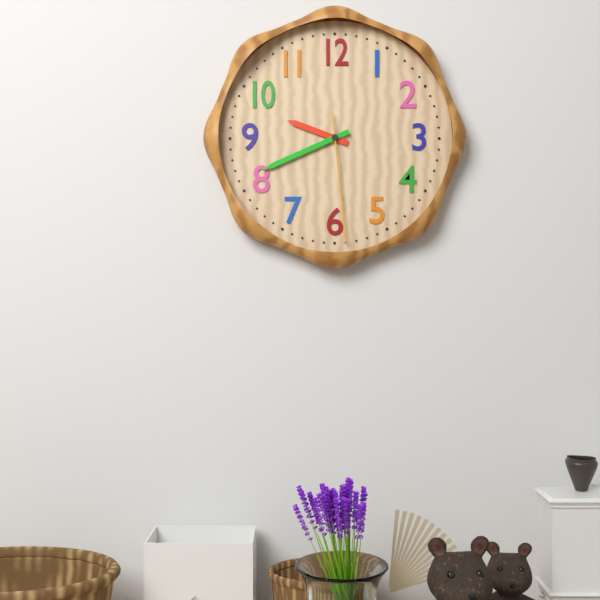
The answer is 9:41:29
